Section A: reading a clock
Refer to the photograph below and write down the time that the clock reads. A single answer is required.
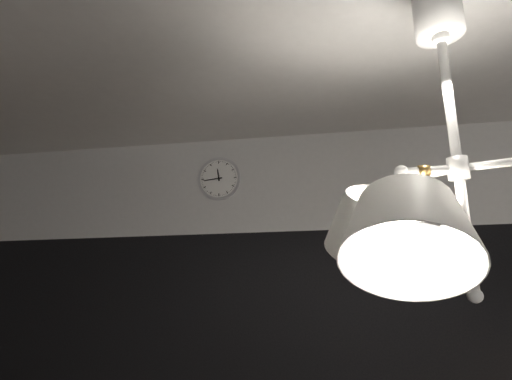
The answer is 11:44
